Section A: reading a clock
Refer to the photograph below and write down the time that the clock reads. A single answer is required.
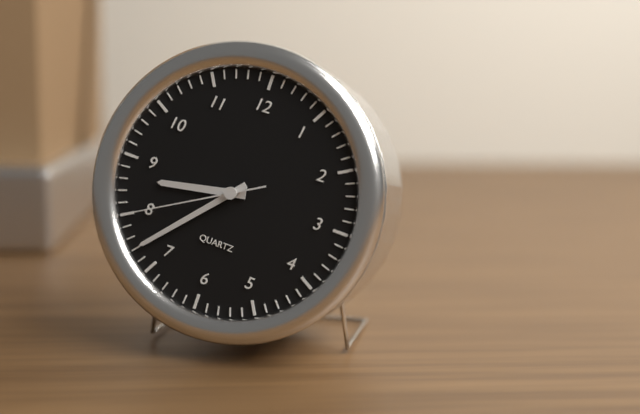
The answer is 8:37:40
